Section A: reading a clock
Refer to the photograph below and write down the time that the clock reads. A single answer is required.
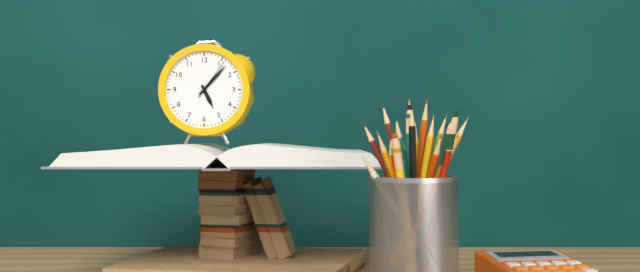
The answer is 5:07
